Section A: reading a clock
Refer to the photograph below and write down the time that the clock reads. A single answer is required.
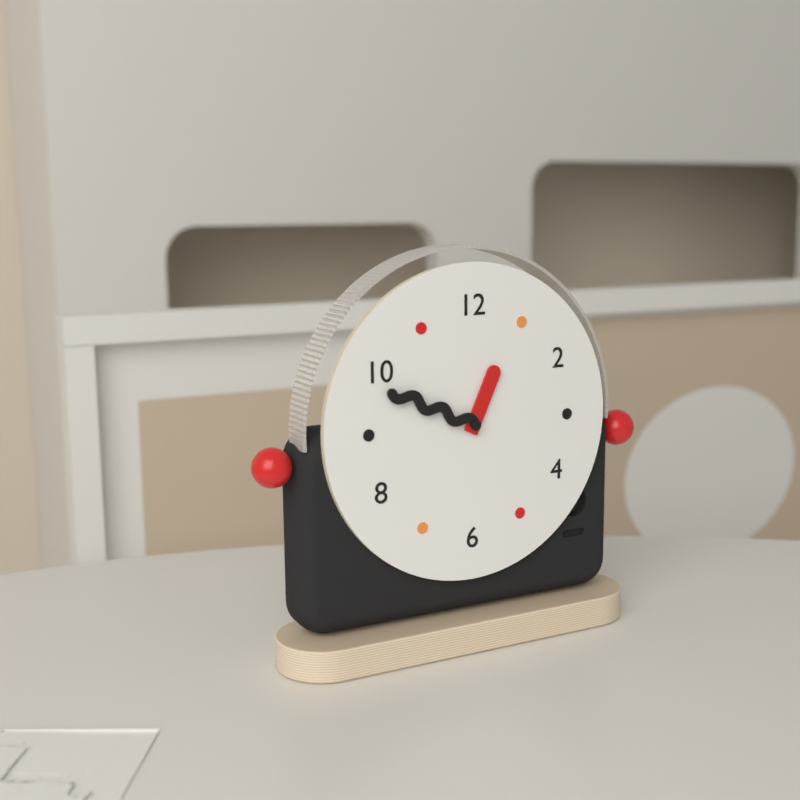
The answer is 12:49
